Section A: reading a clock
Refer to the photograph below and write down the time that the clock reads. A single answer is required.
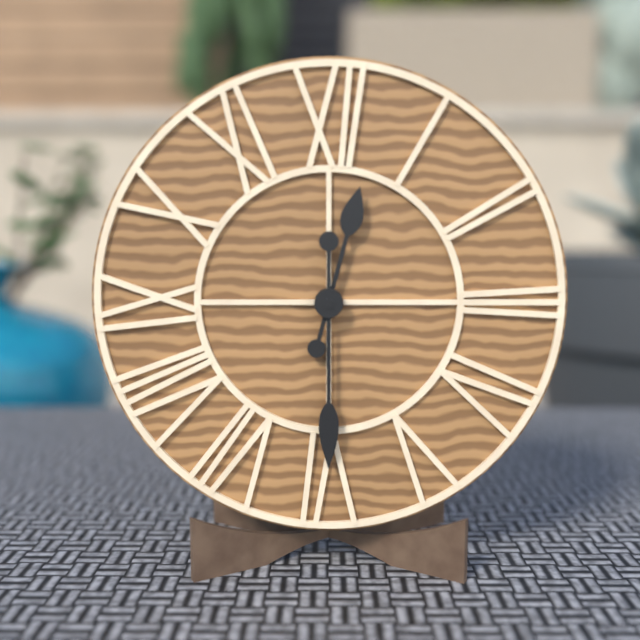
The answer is 12:30
